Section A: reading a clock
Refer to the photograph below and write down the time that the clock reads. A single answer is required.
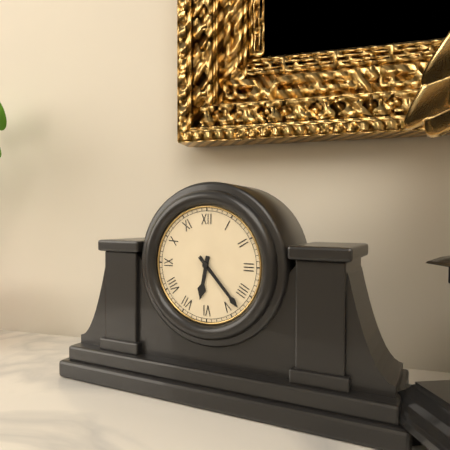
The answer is 6:23
